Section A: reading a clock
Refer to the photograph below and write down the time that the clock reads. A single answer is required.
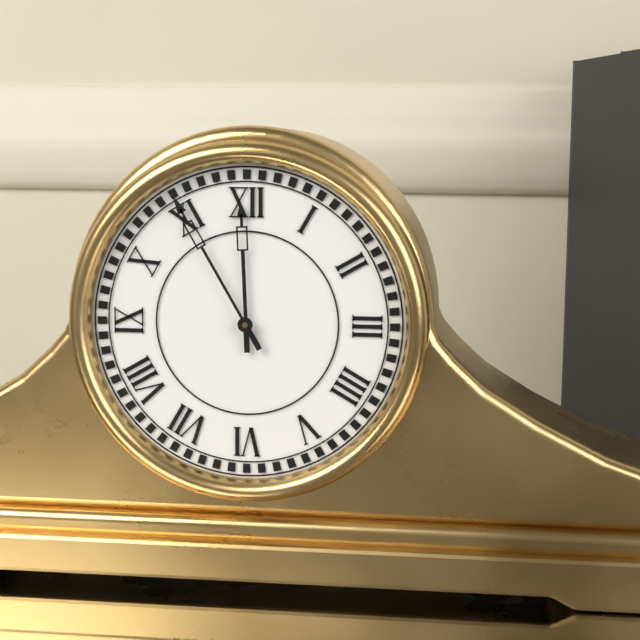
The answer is 11:55
